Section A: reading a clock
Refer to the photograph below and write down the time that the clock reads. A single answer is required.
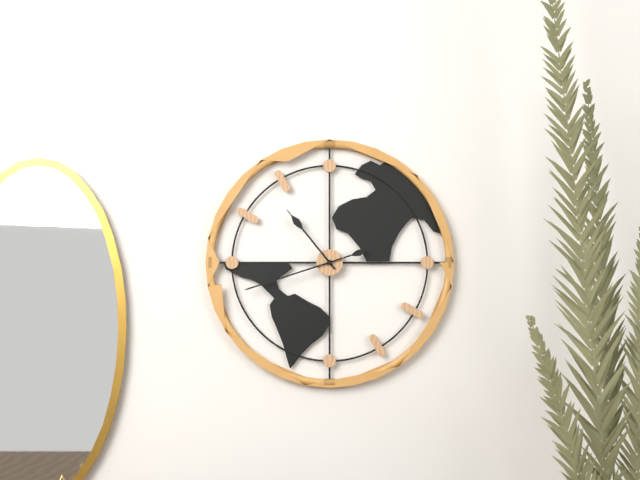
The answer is 10:42
